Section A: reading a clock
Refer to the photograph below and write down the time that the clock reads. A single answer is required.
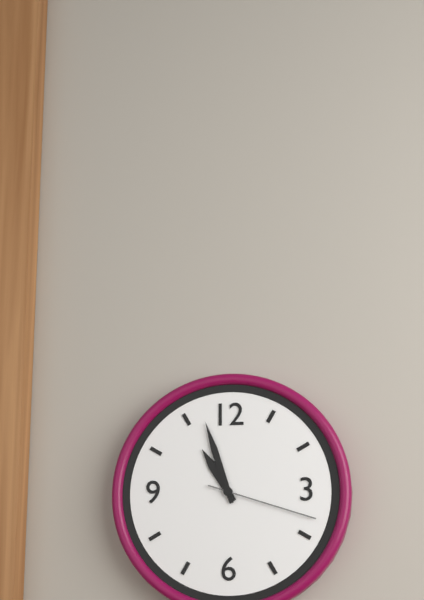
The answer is 10:57:18
